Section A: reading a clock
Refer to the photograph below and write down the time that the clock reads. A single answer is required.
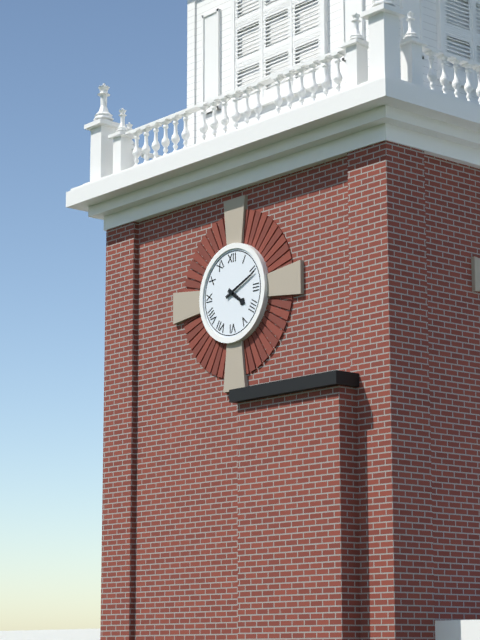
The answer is 4:11
